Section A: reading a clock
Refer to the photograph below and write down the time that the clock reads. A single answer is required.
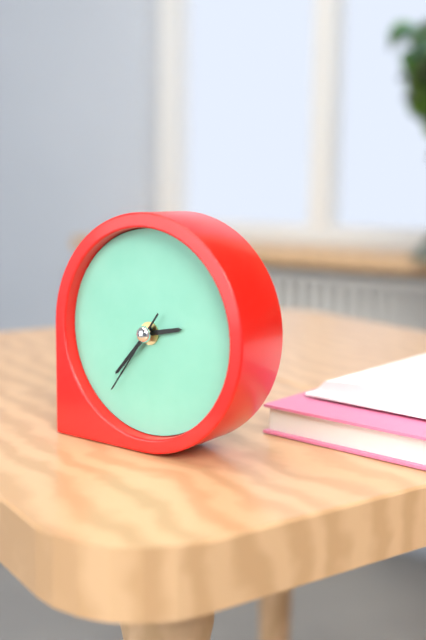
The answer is 2:37:36
